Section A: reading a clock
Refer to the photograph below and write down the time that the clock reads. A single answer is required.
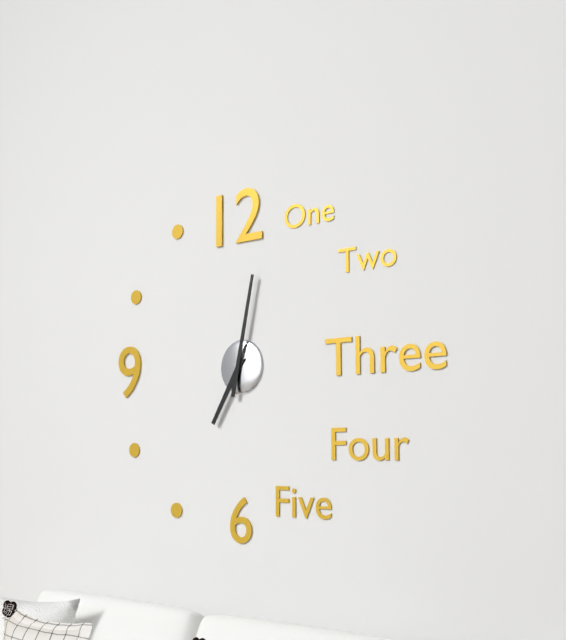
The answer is 7:02
